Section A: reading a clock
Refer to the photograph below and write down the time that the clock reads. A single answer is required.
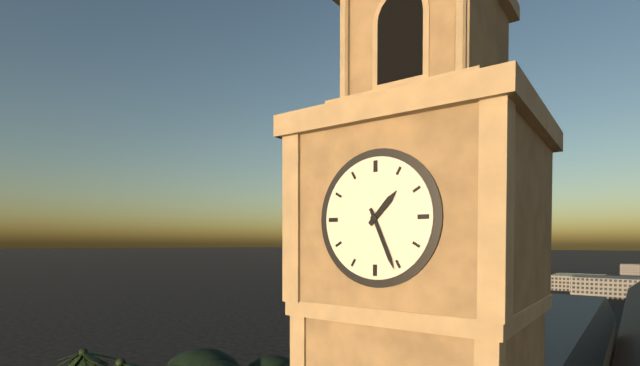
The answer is 1:26
